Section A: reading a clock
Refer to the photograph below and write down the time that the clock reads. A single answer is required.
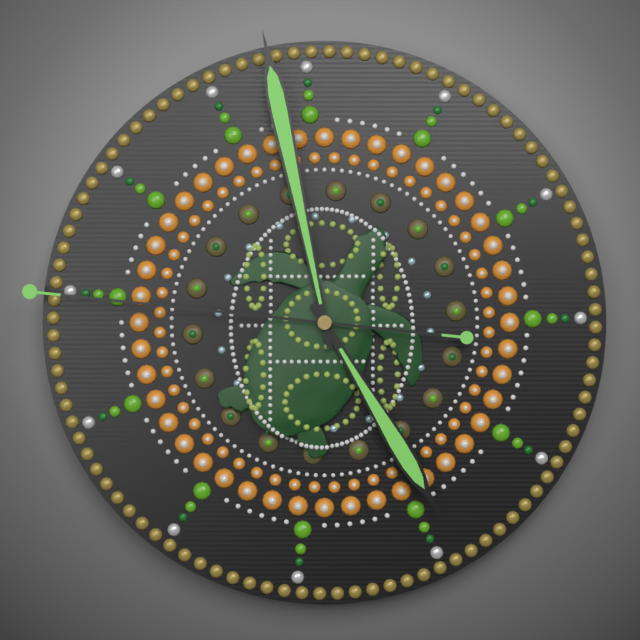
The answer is 4:58:46
